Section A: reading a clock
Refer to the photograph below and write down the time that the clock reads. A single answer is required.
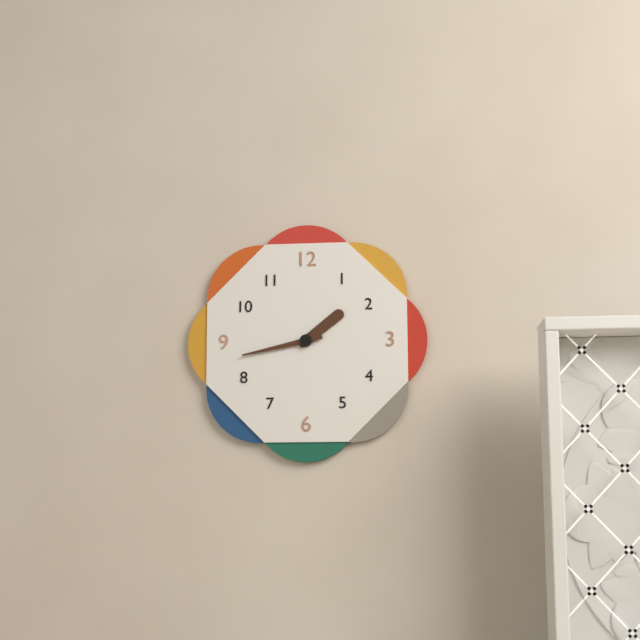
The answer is 1:43
